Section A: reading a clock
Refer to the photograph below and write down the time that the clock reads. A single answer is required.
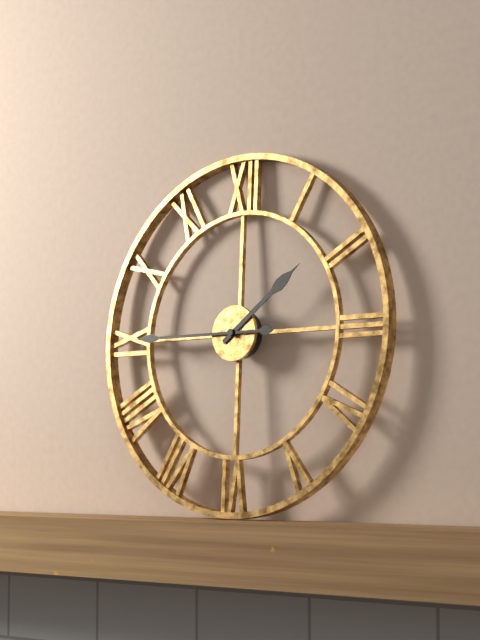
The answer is 1:45
